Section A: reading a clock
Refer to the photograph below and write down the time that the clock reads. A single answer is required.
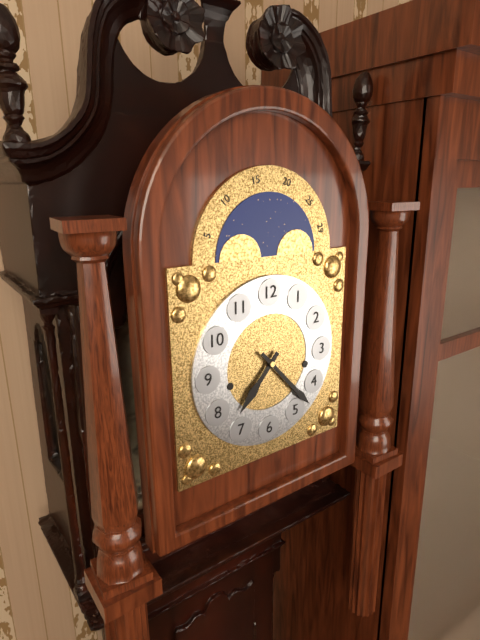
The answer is 7:23
